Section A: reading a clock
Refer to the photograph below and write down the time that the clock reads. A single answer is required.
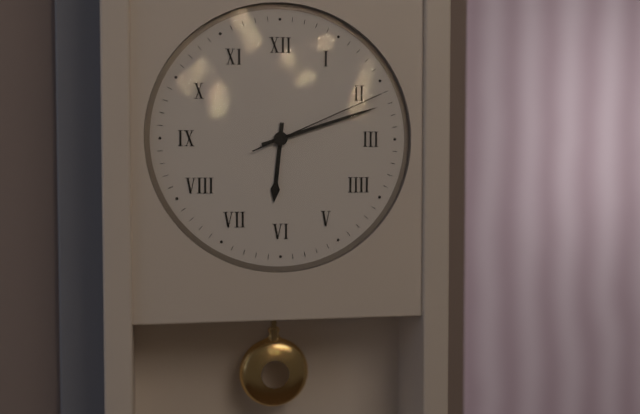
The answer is 6:12:11
